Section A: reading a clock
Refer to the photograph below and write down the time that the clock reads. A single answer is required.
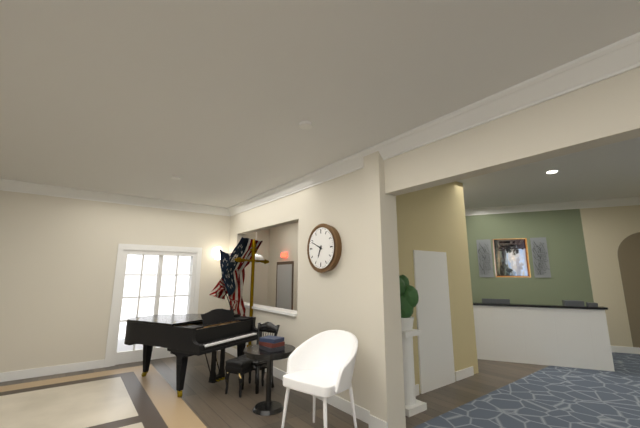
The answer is 6:49
